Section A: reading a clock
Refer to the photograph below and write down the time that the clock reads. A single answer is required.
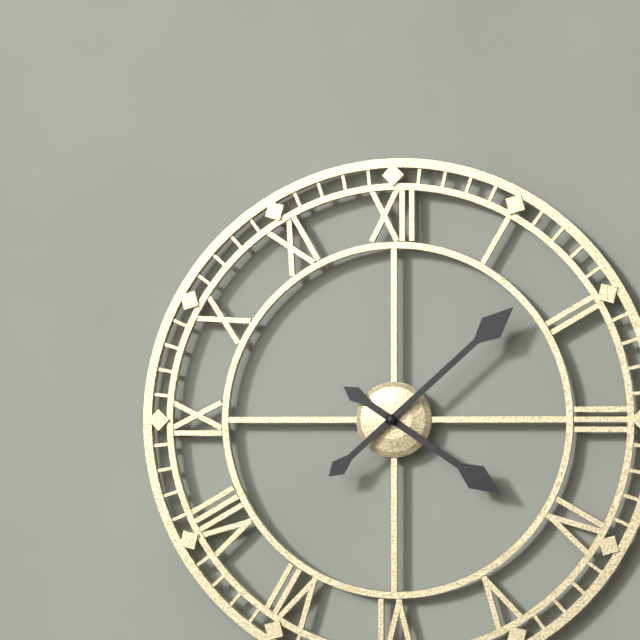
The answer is 4:08
